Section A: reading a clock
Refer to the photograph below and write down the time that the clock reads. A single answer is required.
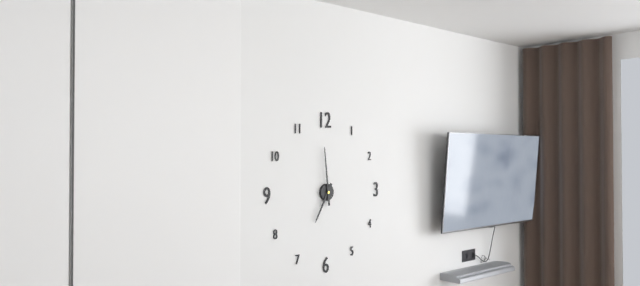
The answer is 6:59
